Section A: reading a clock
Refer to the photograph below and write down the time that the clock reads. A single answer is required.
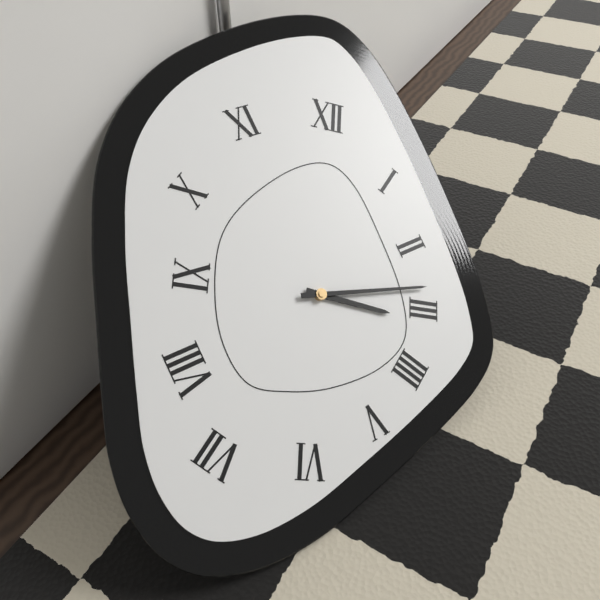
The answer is 3:13
